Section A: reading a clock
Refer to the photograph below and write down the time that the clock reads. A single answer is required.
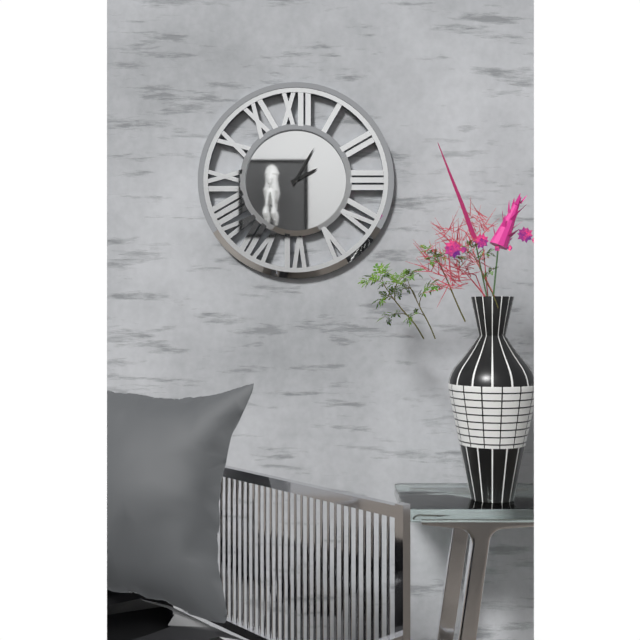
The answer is 2:05
